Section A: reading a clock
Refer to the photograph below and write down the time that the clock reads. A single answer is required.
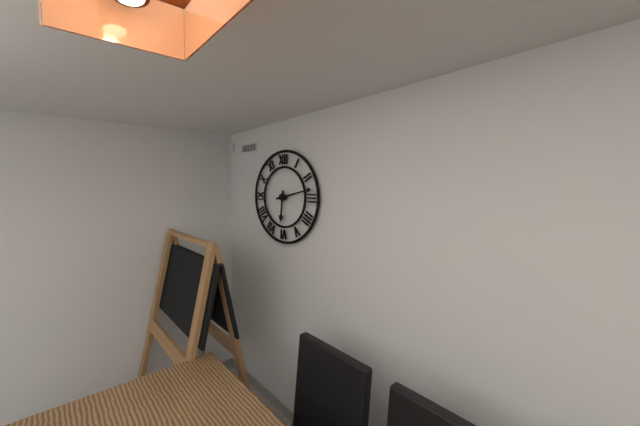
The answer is 6:13
